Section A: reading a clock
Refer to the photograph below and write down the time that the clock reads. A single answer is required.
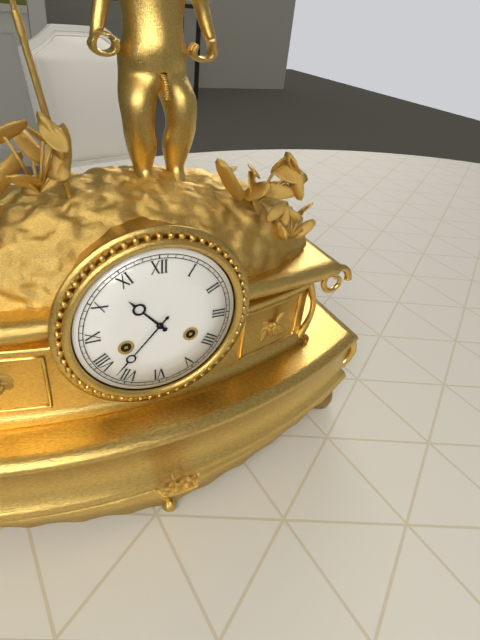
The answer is 10:37
